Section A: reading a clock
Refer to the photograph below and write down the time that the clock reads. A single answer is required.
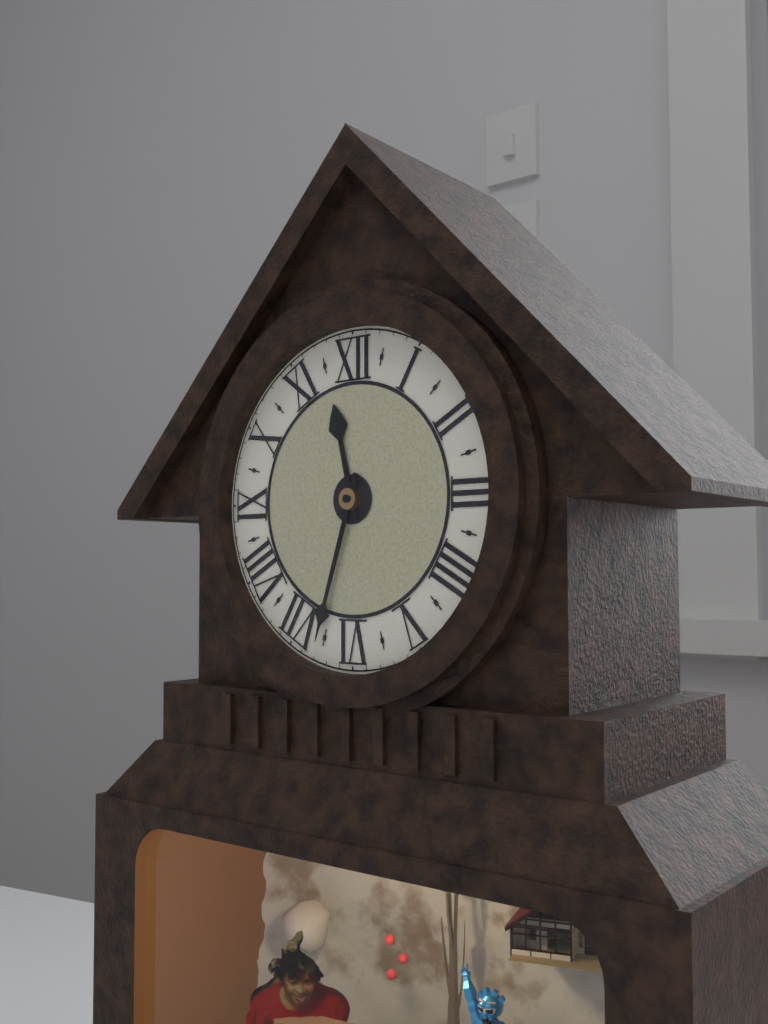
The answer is 11:33
